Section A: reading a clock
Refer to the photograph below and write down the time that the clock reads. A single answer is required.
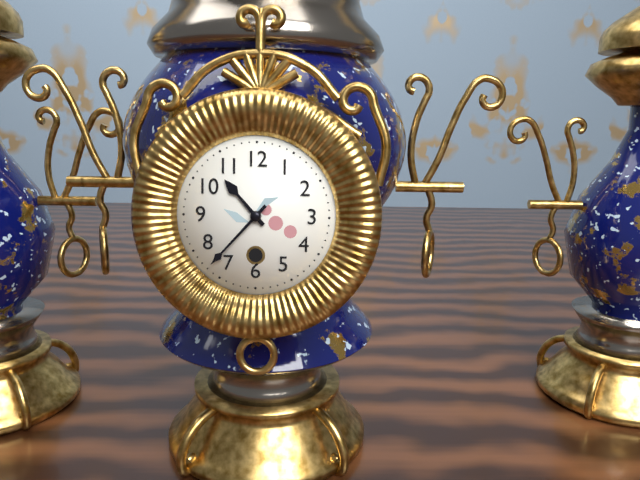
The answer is 10:37
